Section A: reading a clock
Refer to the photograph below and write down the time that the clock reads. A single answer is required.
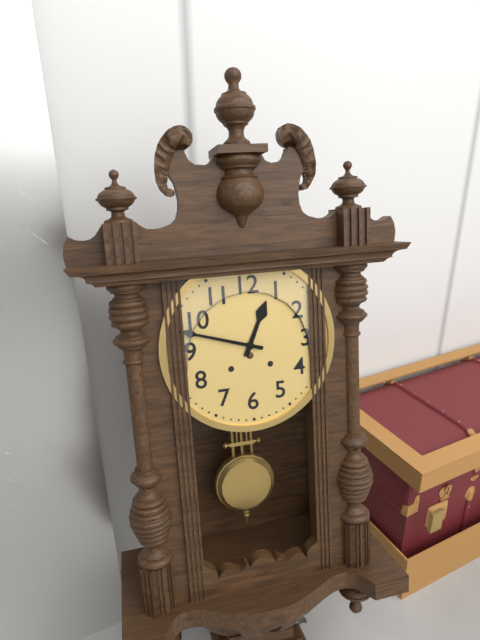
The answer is 12:48
